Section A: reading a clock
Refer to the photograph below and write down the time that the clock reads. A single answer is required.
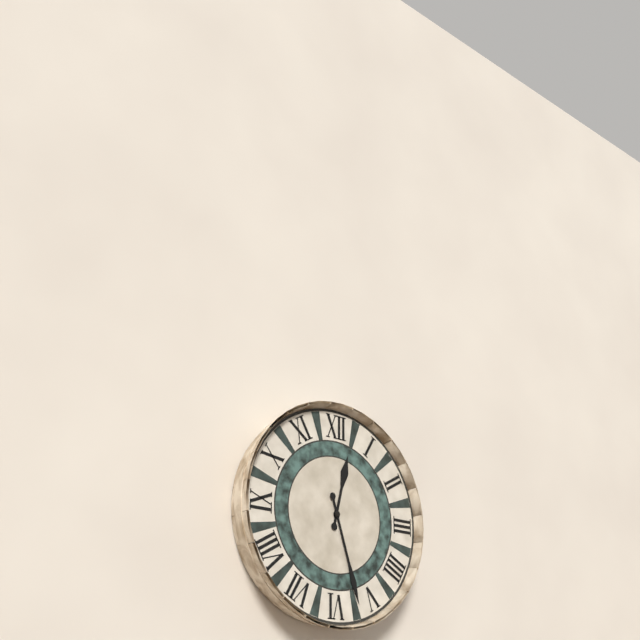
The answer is 12:27
